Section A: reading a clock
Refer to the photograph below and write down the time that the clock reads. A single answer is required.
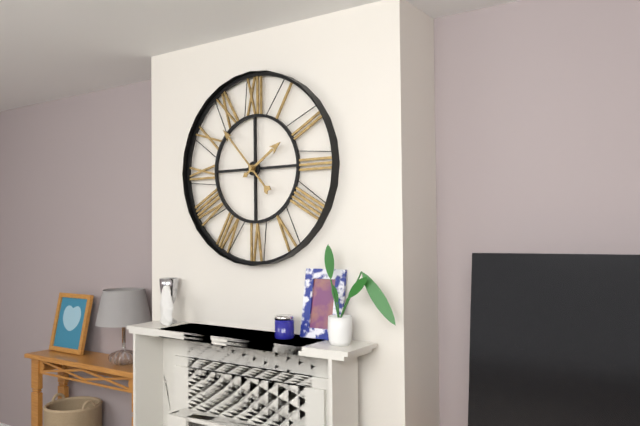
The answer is 1:53
